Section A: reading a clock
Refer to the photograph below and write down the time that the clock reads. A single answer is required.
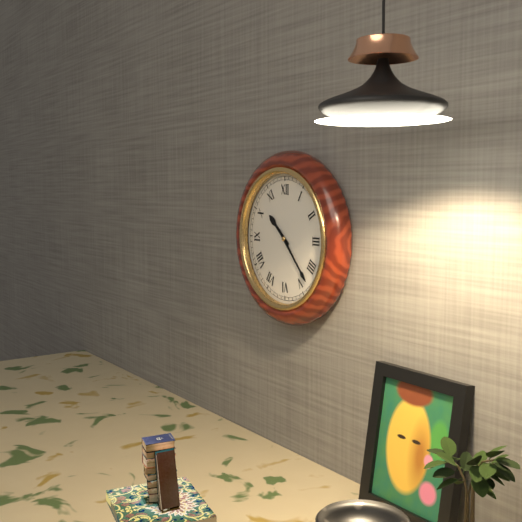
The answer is 10:23
